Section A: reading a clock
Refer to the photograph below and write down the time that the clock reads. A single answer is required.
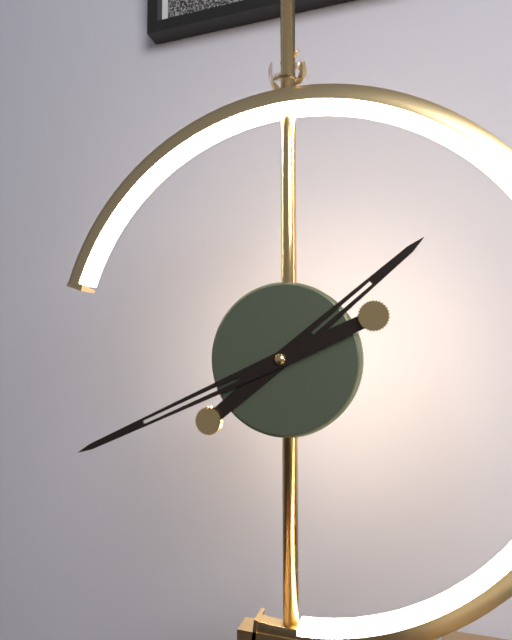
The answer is 1:41
